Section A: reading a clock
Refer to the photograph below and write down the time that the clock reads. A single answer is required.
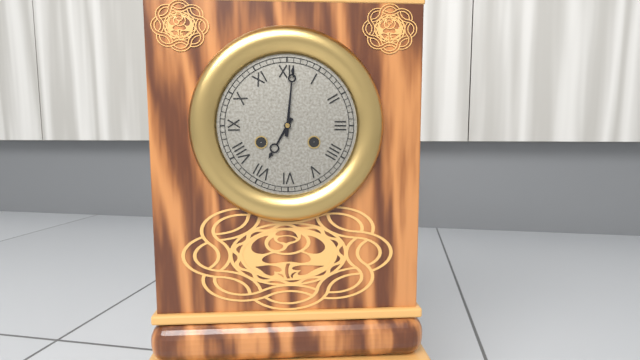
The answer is 7:01
